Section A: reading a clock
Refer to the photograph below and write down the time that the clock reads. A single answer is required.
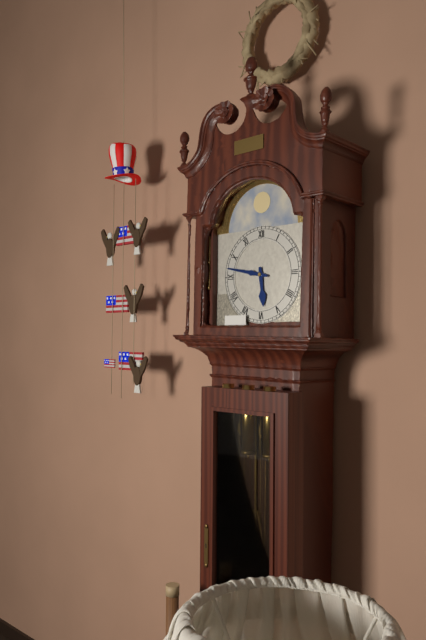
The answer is 5:47
